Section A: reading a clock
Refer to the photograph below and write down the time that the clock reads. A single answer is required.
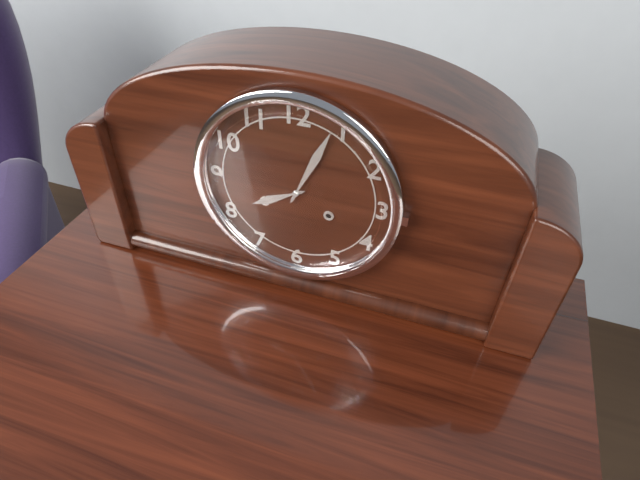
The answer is 8:04
